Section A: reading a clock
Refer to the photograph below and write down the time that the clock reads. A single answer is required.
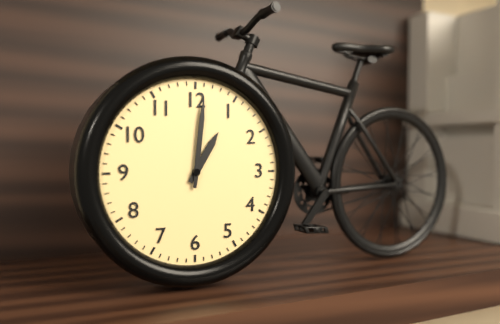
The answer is 1:01
